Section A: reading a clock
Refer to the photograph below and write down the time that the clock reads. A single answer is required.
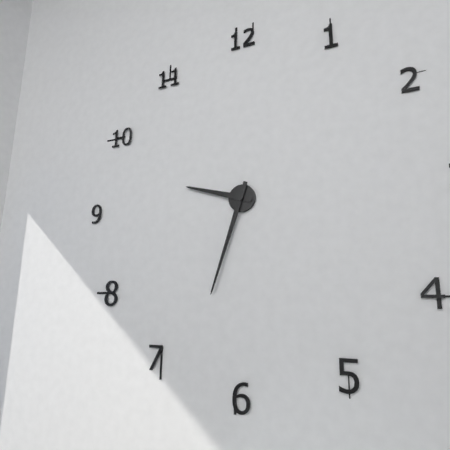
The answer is 9:33
